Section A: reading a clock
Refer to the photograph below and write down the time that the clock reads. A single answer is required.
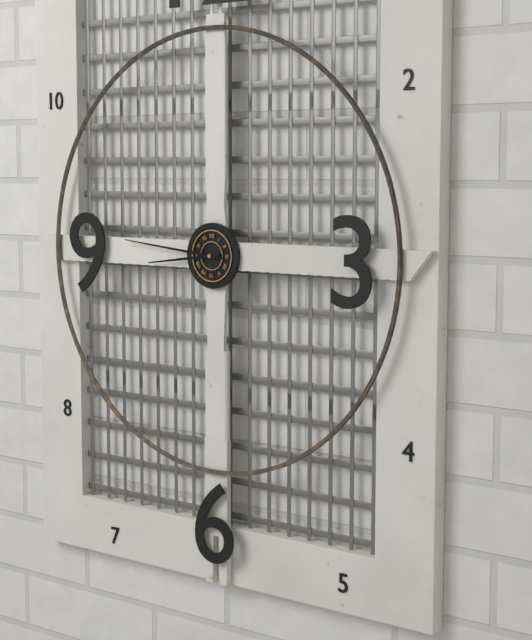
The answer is 8:46:46
